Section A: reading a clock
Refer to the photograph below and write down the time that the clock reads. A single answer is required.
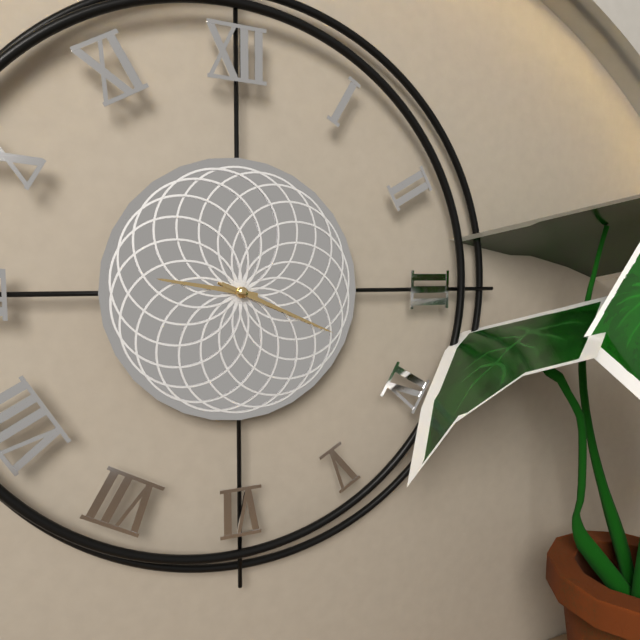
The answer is 9:19
